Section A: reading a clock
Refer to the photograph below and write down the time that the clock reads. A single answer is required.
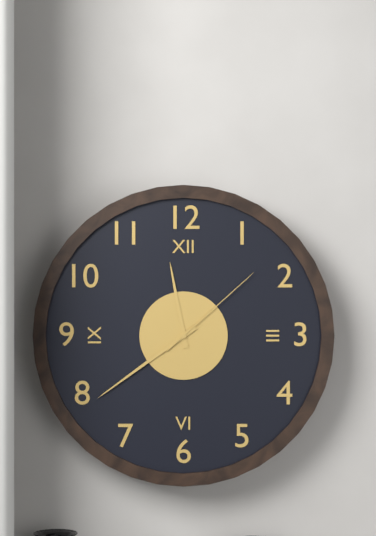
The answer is 11:39:08
